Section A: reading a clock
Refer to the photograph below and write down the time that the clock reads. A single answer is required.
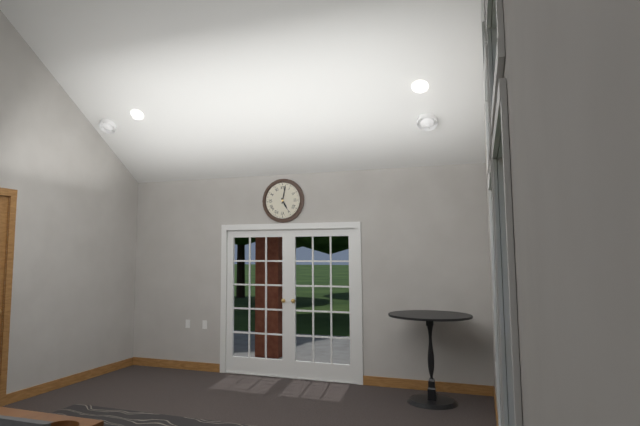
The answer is 5:02
